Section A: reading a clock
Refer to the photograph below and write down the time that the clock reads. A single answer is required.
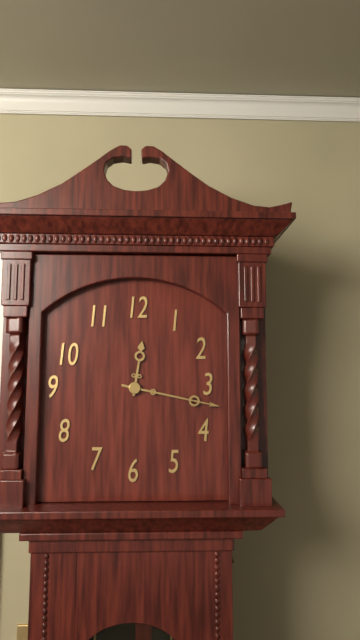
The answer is 12:17
